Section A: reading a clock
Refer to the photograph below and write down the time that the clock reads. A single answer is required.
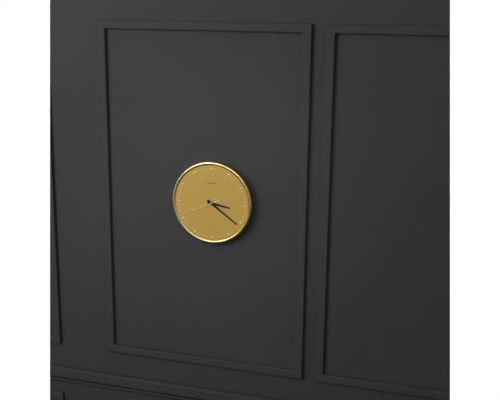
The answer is 3:21
